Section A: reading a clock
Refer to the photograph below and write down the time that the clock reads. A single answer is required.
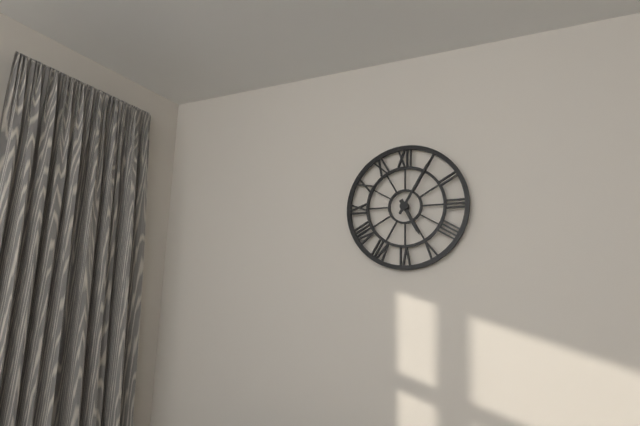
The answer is 5:05
